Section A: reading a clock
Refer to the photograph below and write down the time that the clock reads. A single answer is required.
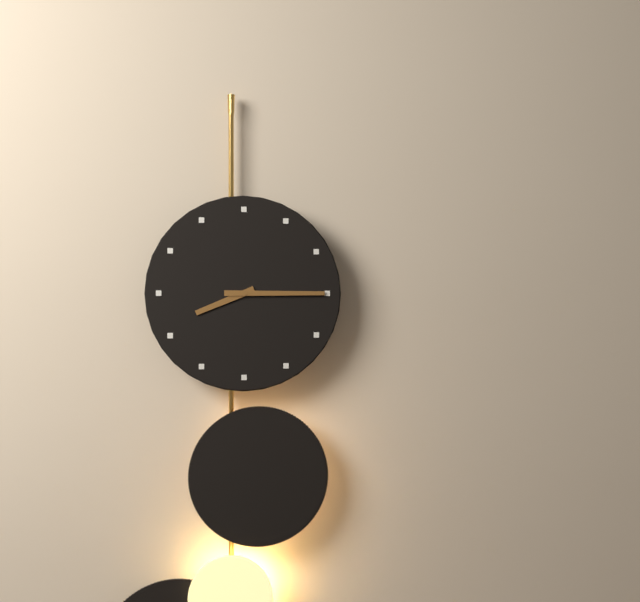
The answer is 8:15
